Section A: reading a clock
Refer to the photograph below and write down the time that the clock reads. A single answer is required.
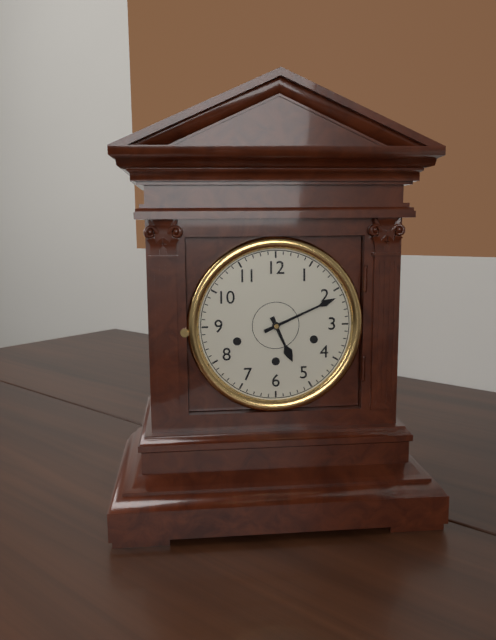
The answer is 5:11
